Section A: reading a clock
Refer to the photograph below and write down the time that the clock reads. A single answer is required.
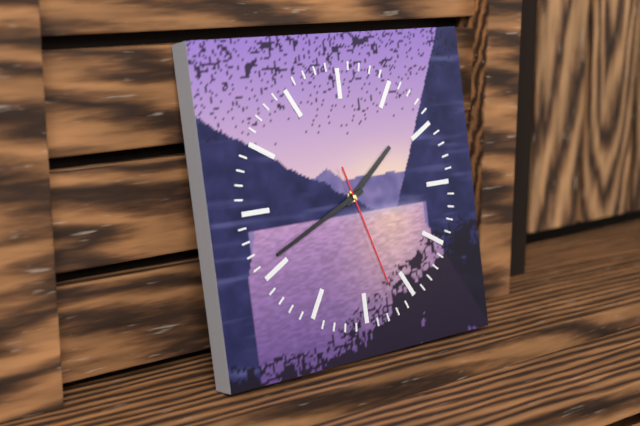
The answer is 1:41:27
